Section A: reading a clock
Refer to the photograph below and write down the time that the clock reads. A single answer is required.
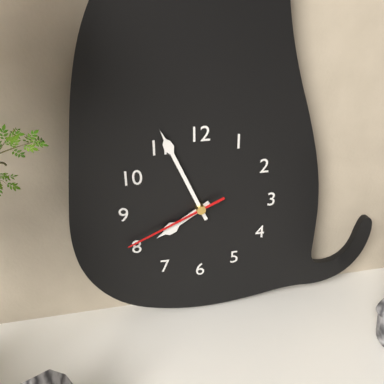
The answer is 7:56:41
